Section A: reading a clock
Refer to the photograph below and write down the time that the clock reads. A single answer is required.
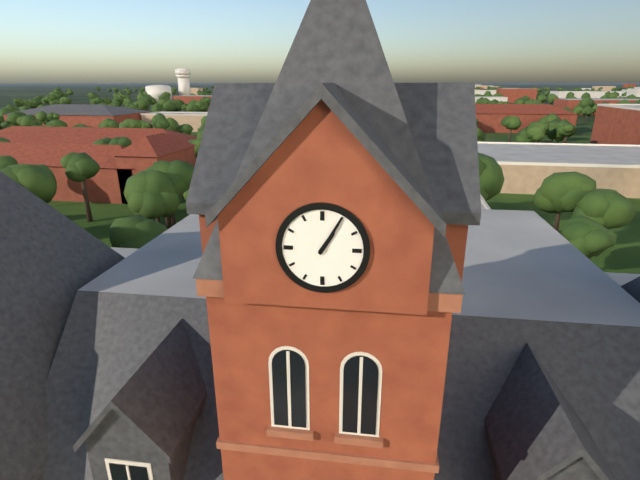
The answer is 1:05
